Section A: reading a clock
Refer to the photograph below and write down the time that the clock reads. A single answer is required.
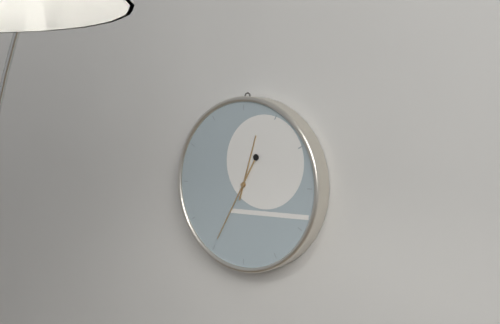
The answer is 12:35
